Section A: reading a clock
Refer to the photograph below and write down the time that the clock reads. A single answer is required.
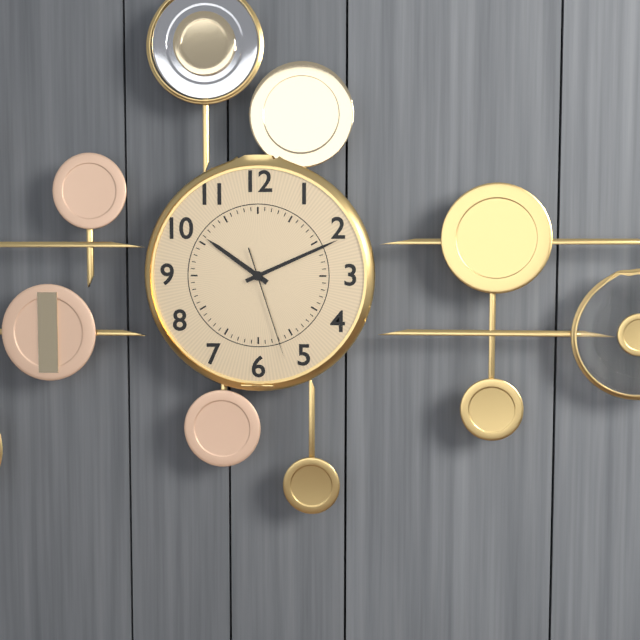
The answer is 10:11:27
